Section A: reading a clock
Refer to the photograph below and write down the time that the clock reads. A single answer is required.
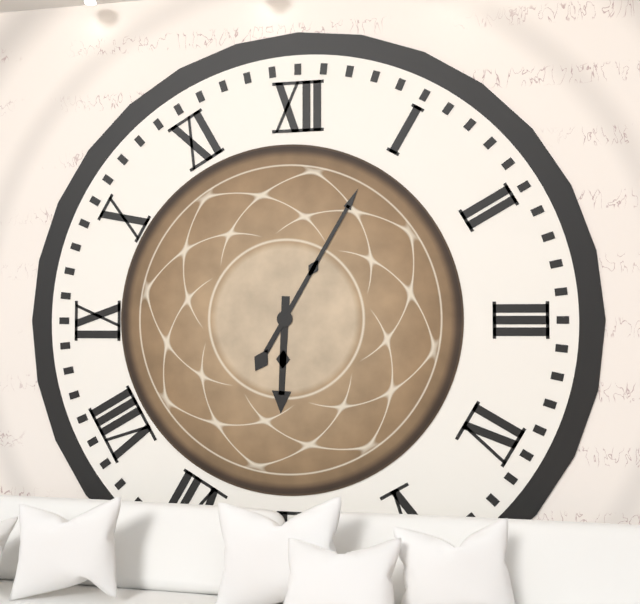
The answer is 6:05
